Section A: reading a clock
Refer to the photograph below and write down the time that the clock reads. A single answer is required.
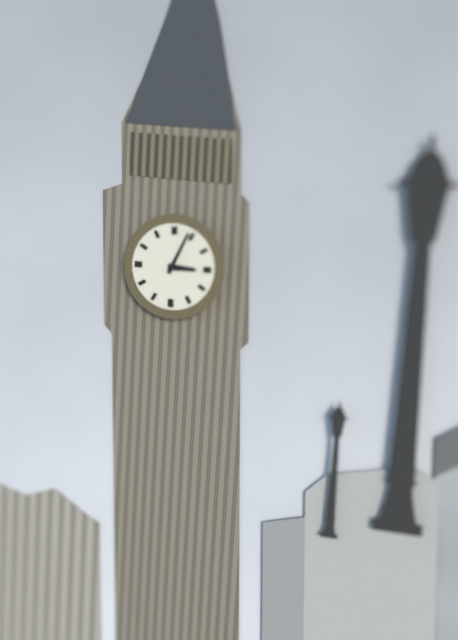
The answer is 3:04
